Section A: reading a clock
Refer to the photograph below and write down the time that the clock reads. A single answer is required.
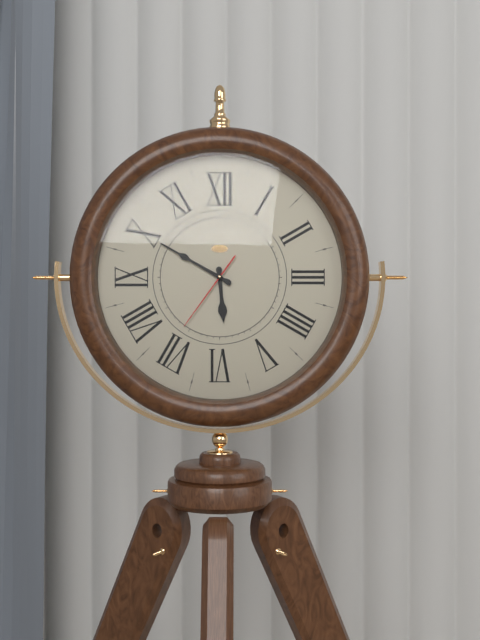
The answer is 5:50:36
